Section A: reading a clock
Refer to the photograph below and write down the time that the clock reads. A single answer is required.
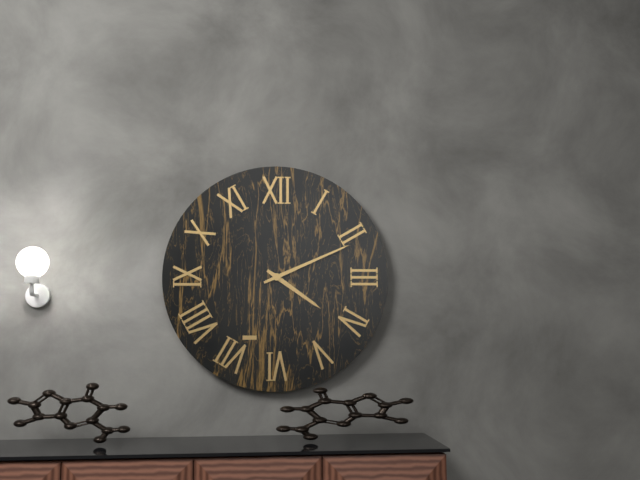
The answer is 4:11
